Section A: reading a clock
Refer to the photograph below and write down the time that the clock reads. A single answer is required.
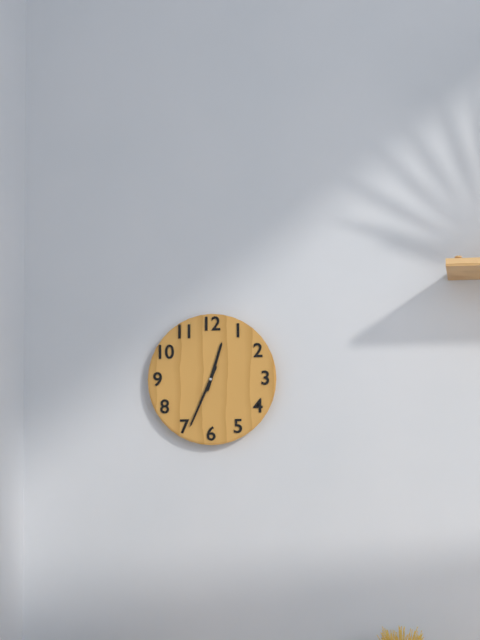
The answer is 12:34
